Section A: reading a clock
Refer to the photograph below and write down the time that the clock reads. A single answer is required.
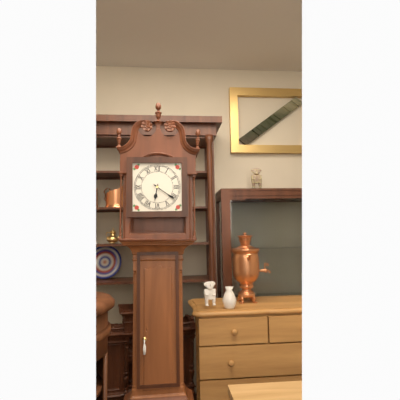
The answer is 6:21
